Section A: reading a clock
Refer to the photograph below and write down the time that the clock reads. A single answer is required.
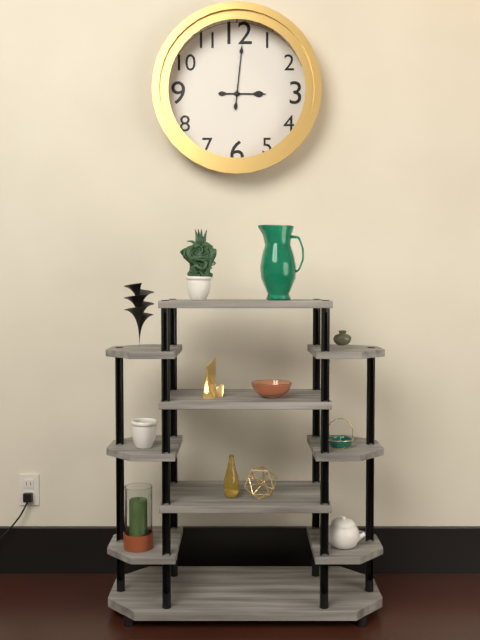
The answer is 3:01
